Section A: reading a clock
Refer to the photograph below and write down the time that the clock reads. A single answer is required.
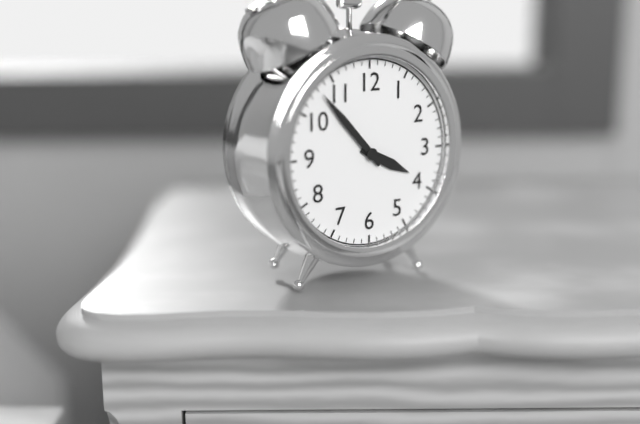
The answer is 3:53
